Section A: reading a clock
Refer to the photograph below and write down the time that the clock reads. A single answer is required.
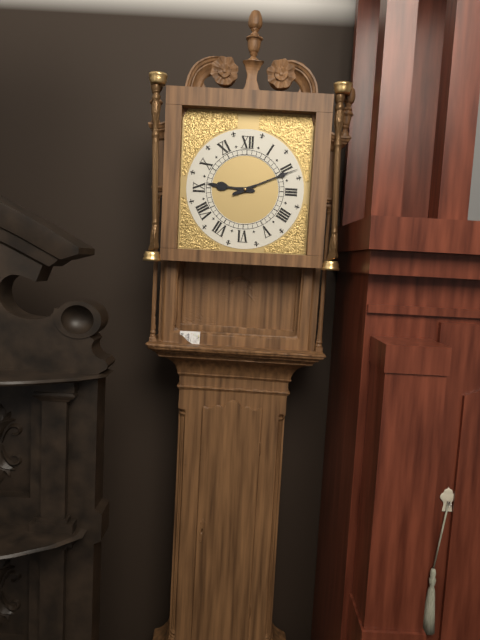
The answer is 9:11
